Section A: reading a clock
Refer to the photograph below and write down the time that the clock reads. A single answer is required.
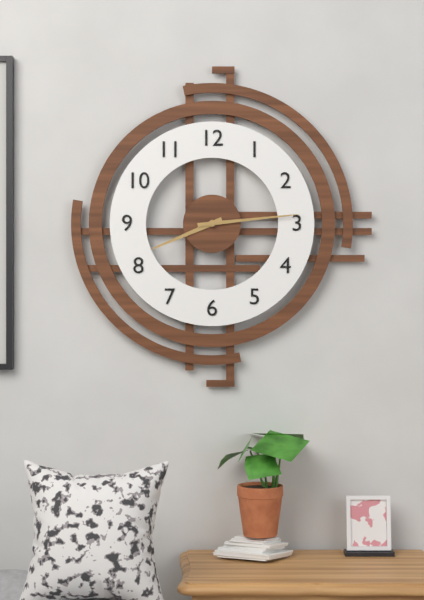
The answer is 8:14
